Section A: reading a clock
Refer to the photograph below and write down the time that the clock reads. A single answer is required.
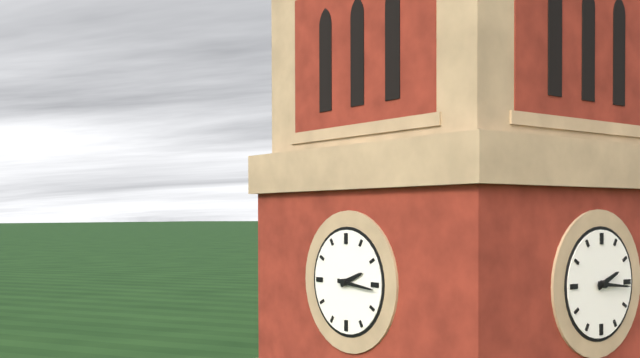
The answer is 2:16
